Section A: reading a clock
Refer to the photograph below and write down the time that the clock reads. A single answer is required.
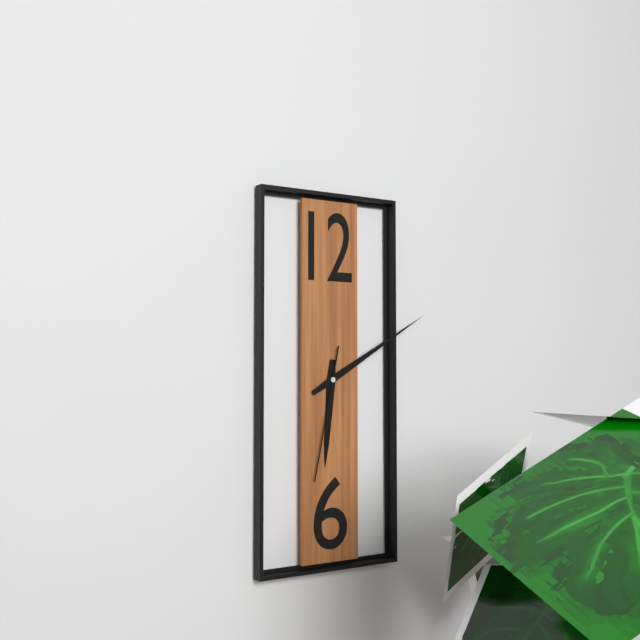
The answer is 6:10:32
